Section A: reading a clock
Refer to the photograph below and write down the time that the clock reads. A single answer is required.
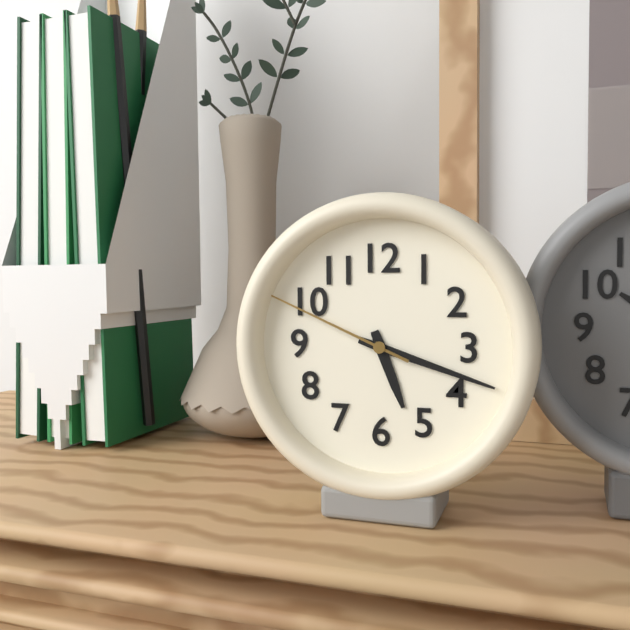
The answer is 5:18:49
